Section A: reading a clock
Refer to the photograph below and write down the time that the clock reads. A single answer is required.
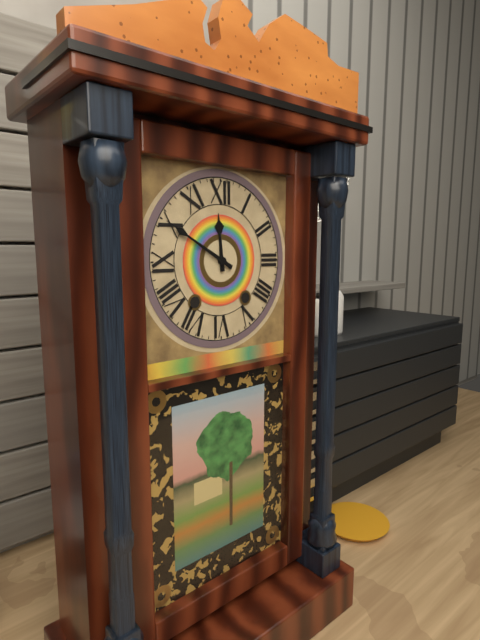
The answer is 11:50
